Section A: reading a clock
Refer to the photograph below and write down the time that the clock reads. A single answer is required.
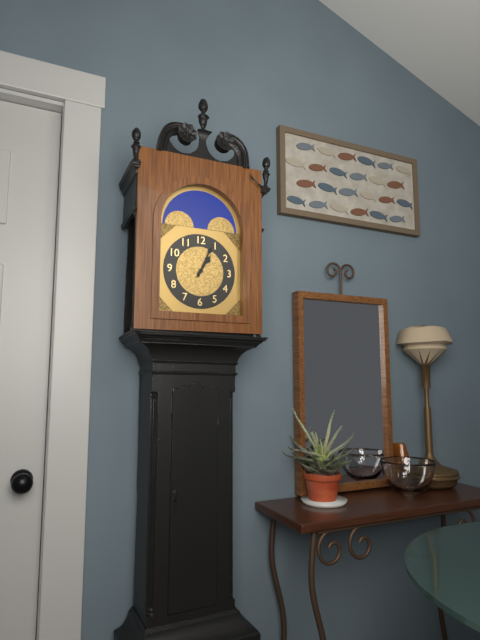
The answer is 1:04
